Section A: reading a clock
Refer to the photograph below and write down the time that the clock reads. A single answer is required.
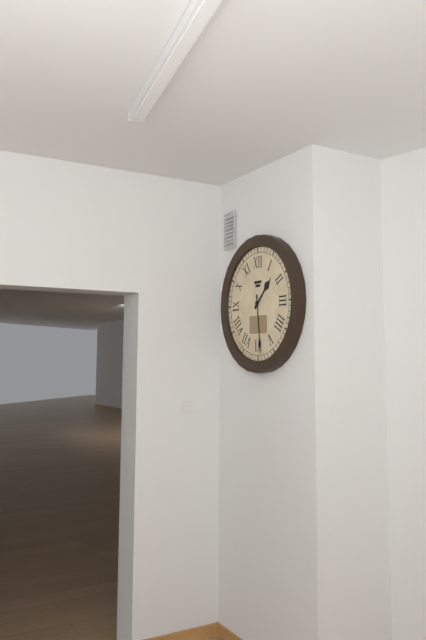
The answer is 1:29
